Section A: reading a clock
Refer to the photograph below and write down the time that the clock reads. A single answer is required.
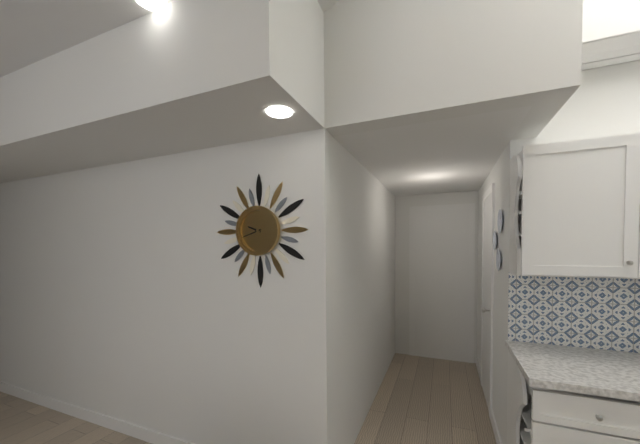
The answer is 9:42
